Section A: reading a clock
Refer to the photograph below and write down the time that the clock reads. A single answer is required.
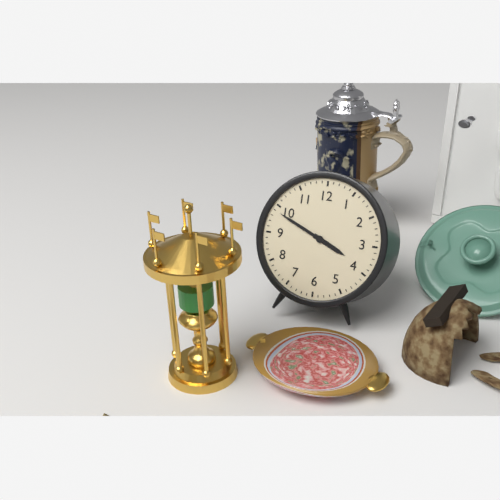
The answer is 3:49
